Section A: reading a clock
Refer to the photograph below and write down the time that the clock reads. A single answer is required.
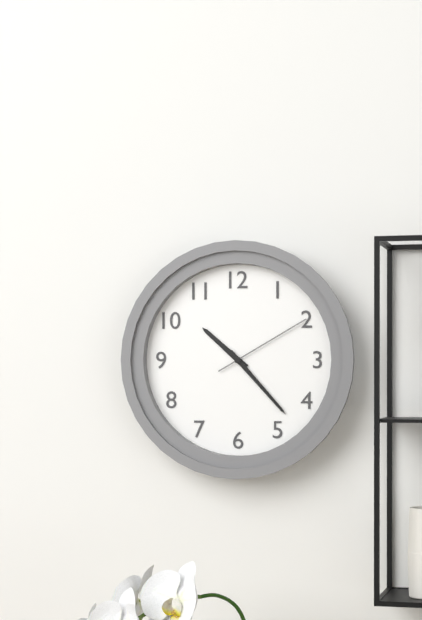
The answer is 10:23:10
